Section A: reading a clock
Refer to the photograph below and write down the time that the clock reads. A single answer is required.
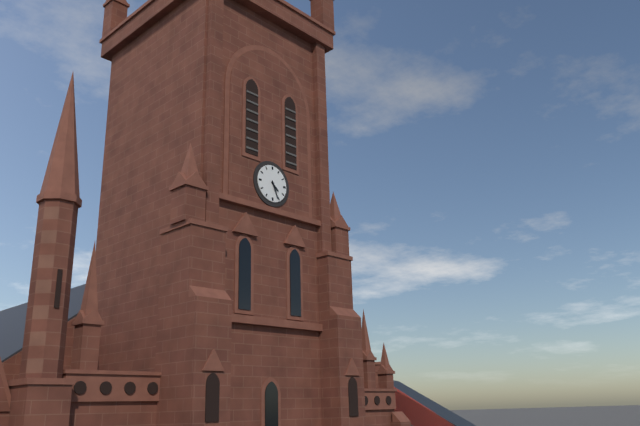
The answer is 4:26
